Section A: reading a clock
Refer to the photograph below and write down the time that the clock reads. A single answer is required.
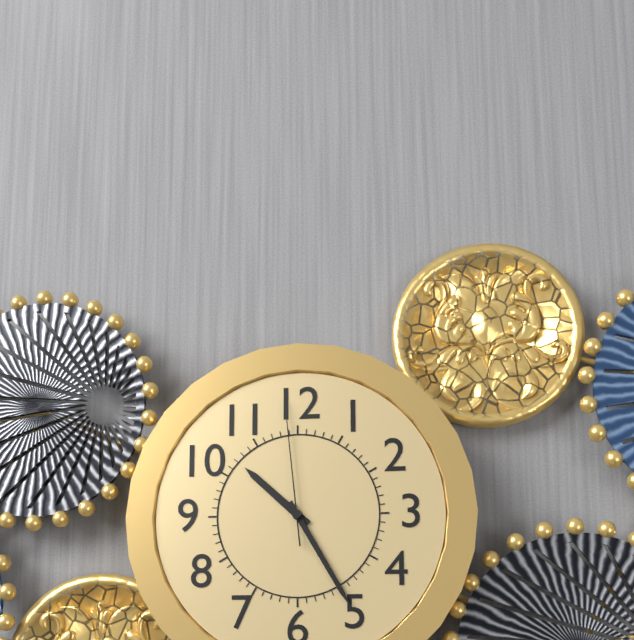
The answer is 10:25:59
